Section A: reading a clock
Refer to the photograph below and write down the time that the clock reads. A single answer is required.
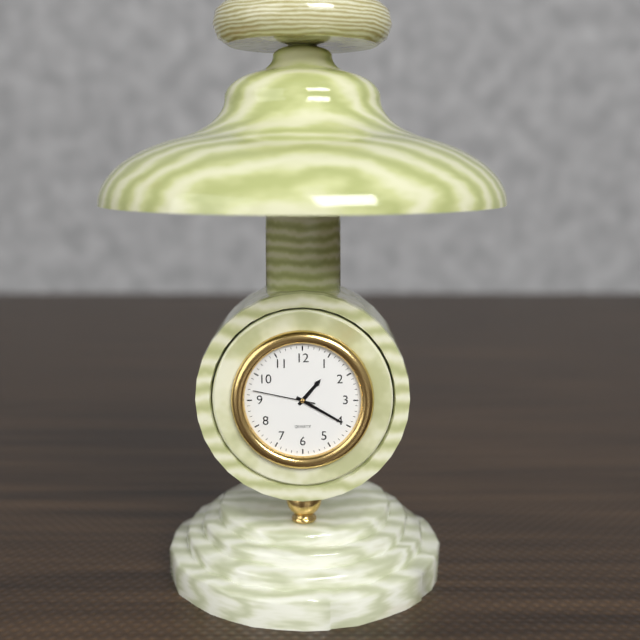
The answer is 1:20:47
